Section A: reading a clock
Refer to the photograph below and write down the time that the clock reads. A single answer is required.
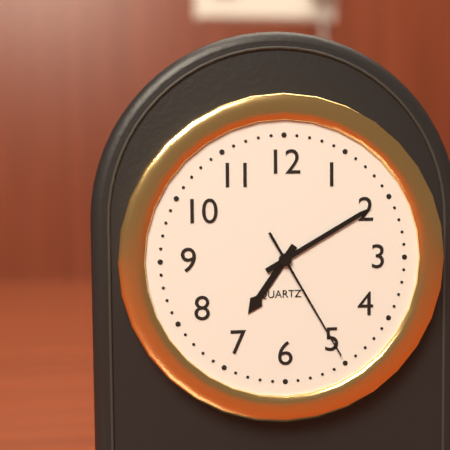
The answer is 7:10:25
